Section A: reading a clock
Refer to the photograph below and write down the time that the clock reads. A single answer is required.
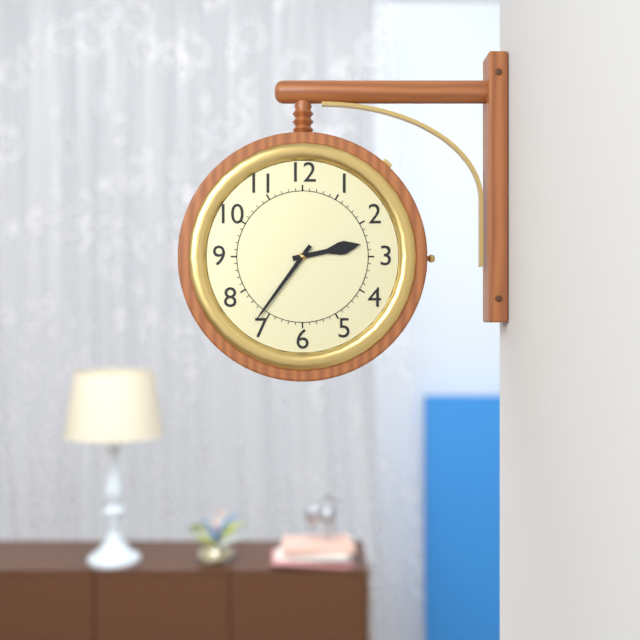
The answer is 2:36
